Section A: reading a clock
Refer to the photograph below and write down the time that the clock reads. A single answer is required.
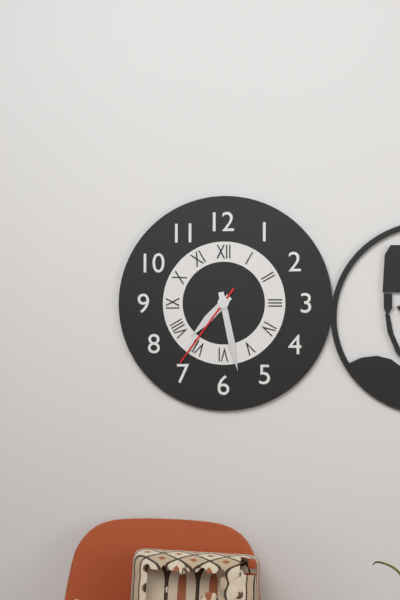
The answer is 7:28:36
